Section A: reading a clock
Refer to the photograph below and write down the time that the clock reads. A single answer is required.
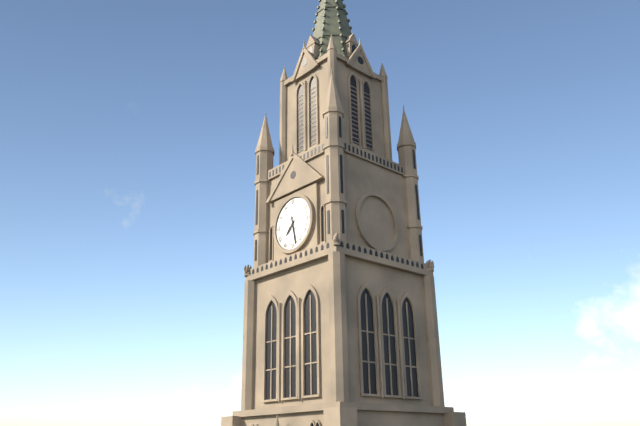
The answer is 7:28
